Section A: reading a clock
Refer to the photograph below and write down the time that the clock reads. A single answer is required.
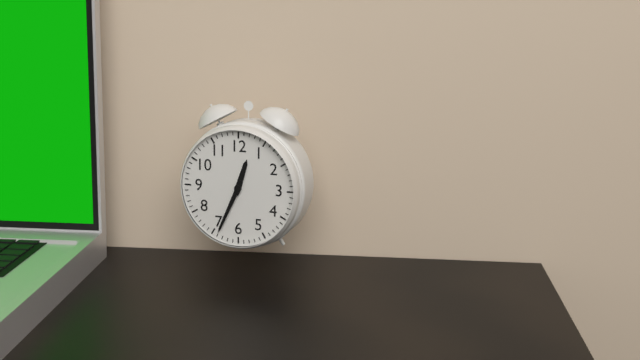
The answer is 12:34
